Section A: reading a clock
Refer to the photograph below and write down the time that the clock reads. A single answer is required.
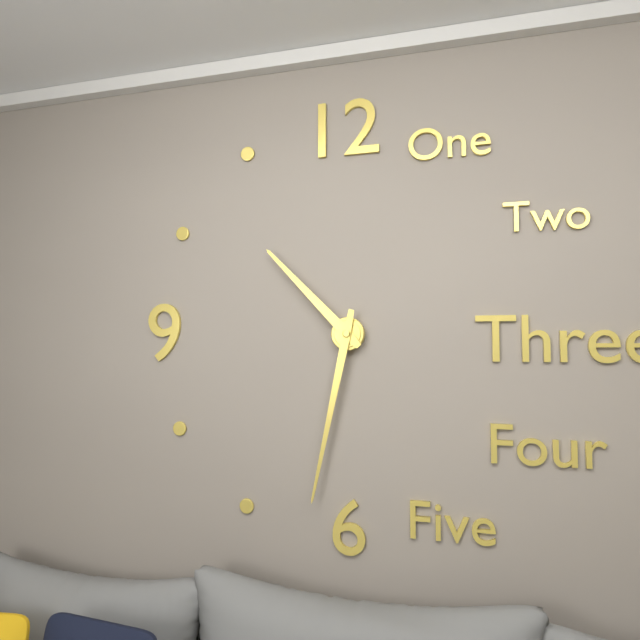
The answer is 10:32
